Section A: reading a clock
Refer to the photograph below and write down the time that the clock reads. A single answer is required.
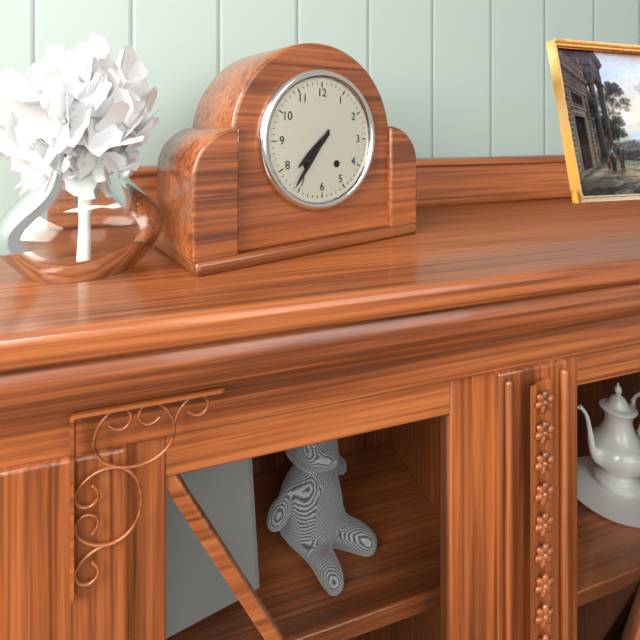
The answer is 7:36
